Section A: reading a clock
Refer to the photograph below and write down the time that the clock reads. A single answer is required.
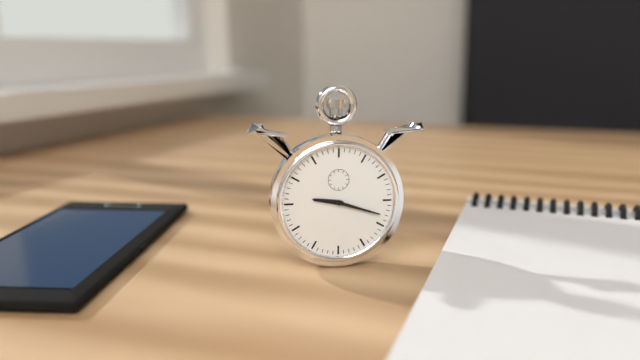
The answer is 9:18
